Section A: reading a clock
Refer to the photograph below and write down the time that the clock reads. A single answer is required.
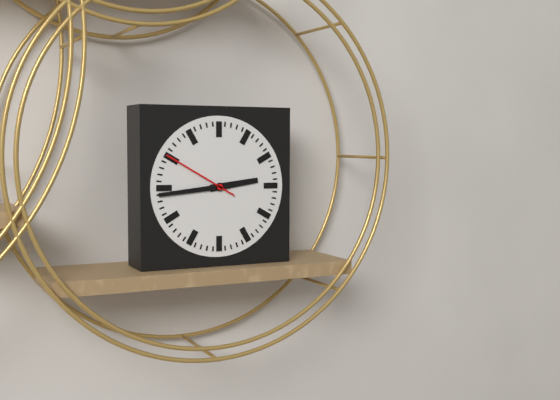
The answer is 2:44:50
